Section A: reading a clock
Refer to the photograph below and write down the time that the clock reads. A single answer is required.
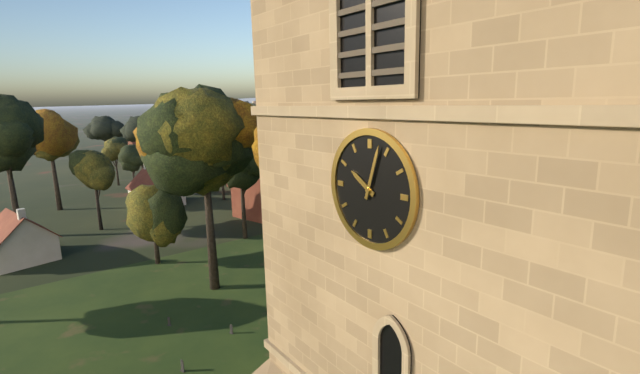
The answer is 10:03
